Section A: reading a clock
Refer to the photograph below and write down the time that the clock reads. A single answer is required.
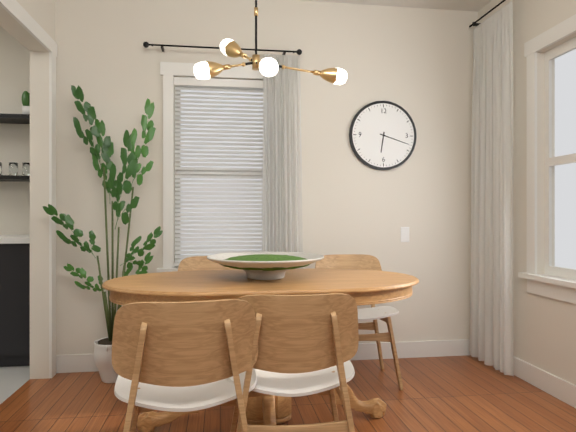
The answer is 6:18
